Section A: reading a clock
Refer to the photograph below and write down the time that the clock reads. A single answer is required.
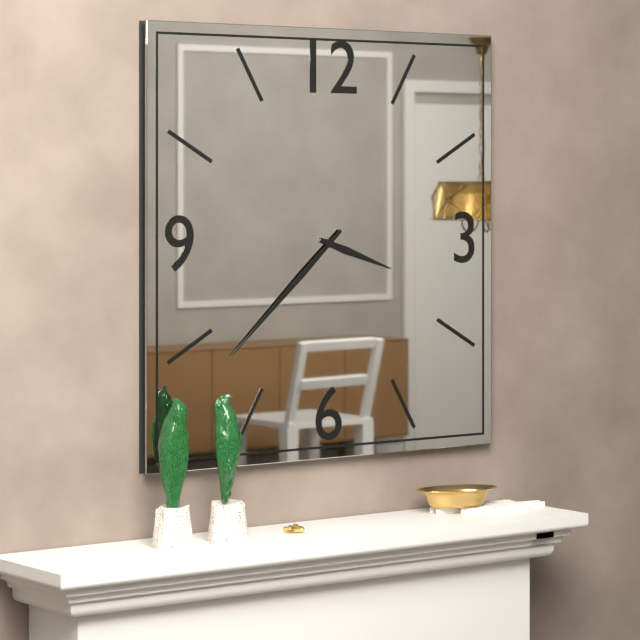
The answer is 3:38
